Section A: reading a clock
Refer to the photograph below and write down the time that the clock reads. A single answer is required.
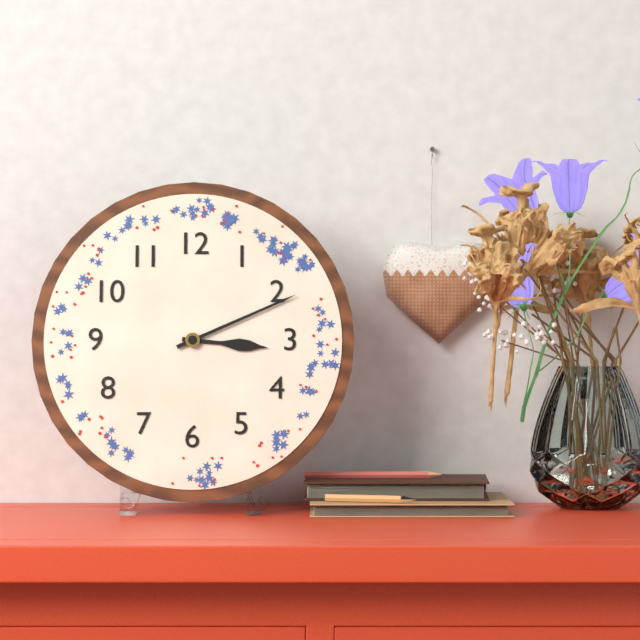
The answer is 3:11
